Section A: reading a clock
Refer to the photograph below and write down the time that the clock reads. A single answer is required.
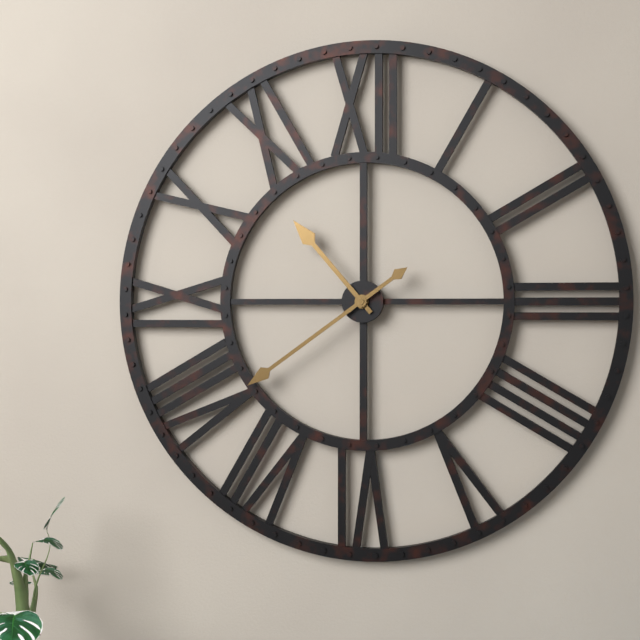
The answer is 10:39
